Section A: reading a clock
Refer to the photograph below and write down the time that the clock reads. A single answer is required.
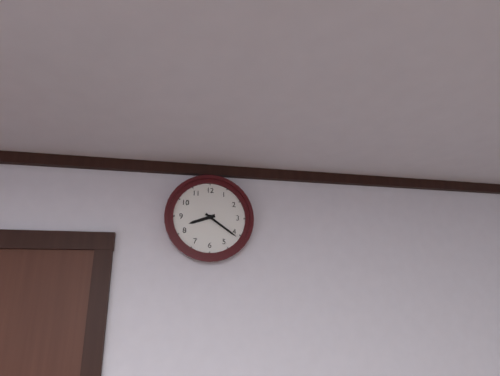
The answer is 8:21
